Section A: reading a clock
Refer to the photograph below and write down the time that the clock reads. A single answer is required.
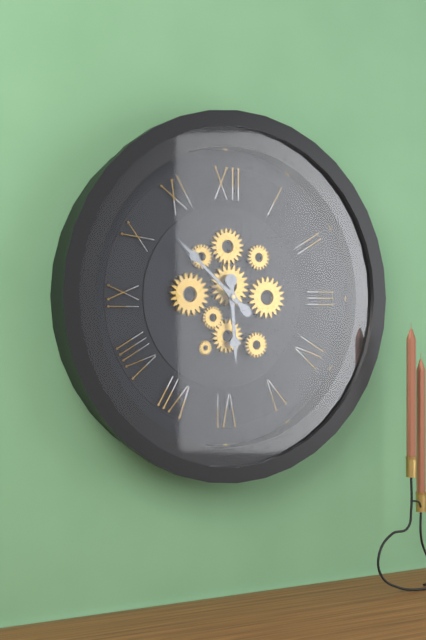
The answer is 5:52
